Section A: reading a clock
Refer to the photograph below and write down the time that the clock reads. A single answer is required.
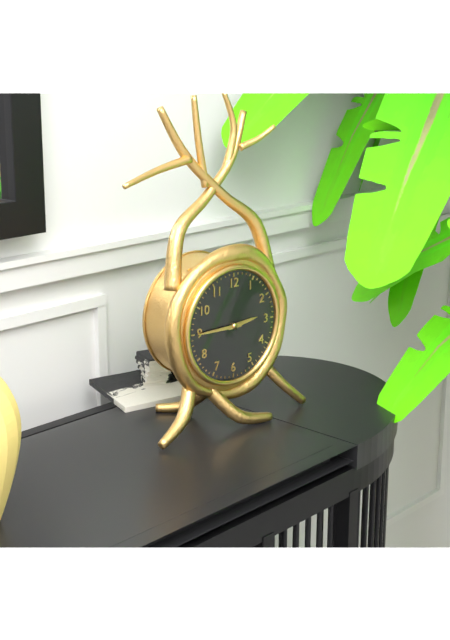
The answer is 2:45
